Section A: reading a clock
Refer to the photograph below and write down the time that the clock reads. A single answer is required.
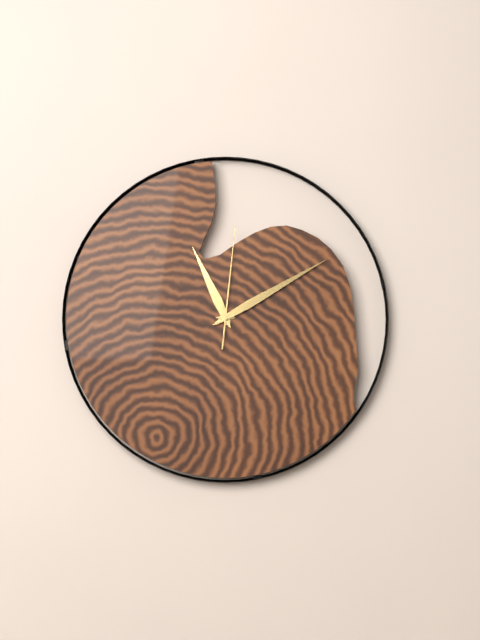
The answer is 11:10:01
